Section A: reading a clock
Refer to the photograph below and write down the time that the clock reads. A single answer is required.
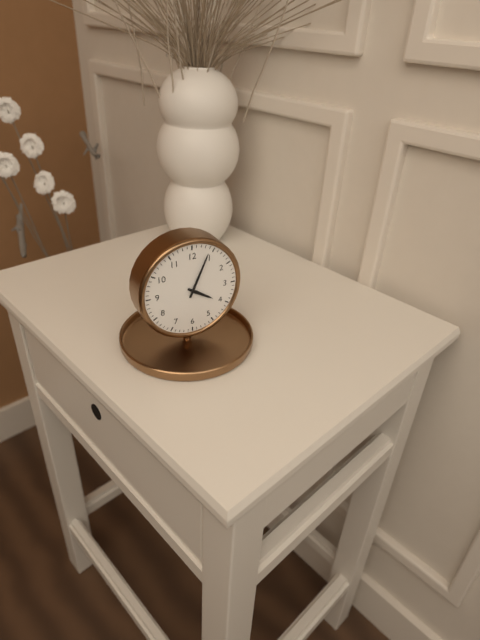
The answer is 4:04
